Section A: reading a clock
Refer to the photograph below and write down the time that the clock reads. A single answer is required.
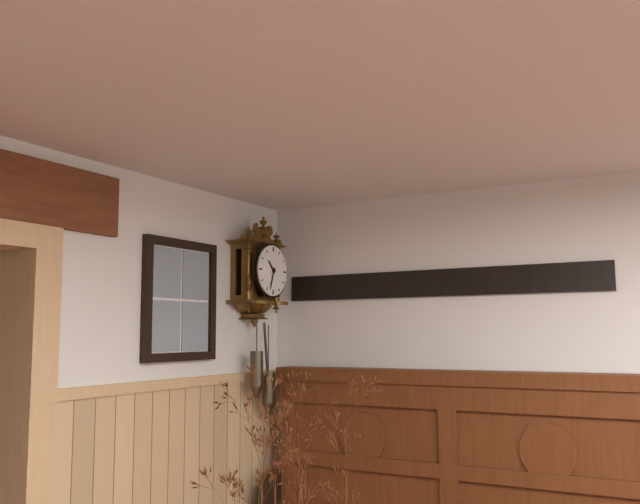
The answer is 10:33
